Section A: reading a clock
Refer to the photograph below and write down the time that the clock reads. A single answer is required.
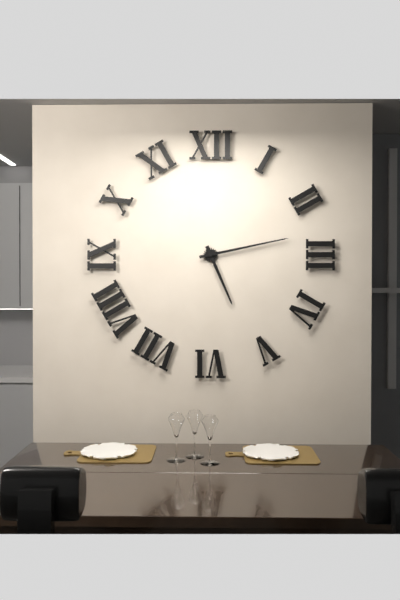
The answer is 5:13
